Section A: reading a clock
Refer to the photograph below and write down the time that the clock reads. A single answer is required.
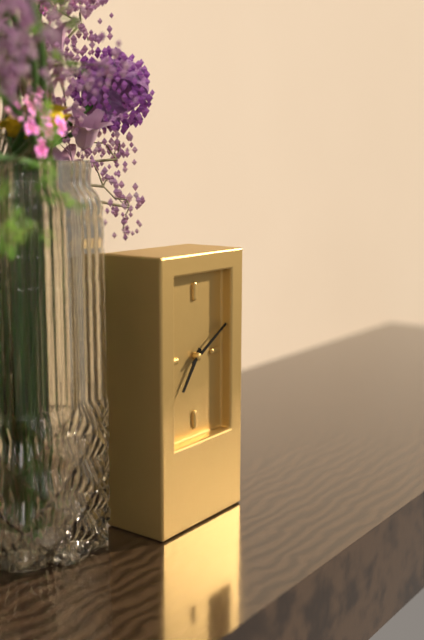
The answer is 7:10
